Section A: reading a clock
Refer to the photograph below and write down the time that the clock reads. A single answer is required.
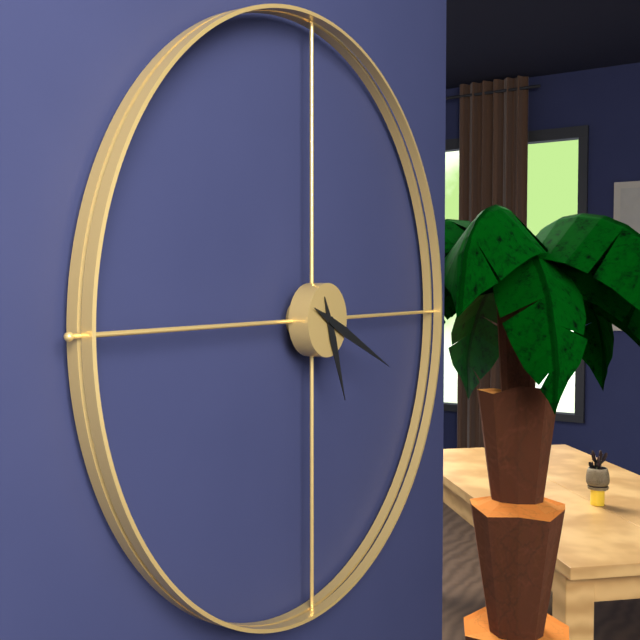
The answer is 5:19
